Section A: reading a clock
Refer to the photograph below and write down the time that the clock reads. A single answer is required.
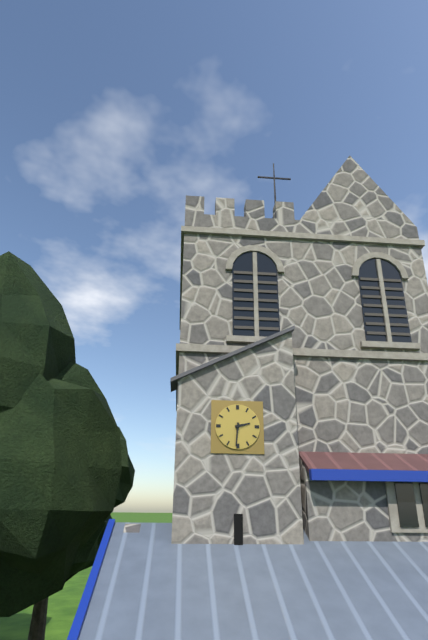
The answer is 2:31
